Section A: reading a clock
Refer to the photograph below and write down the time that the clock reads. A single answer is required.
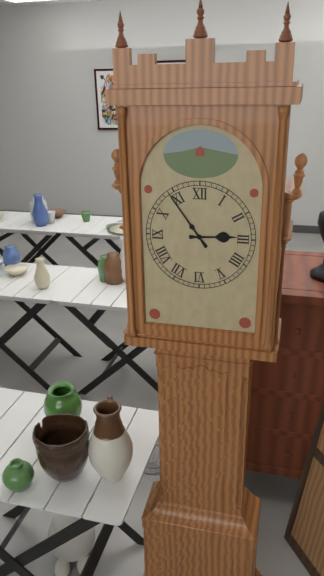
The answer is 2:54
